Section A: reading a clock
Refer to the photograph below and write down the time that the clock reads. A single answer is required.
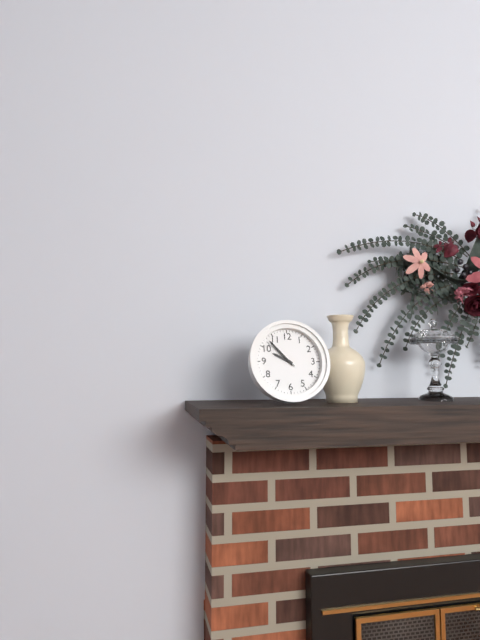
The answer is 9:53
